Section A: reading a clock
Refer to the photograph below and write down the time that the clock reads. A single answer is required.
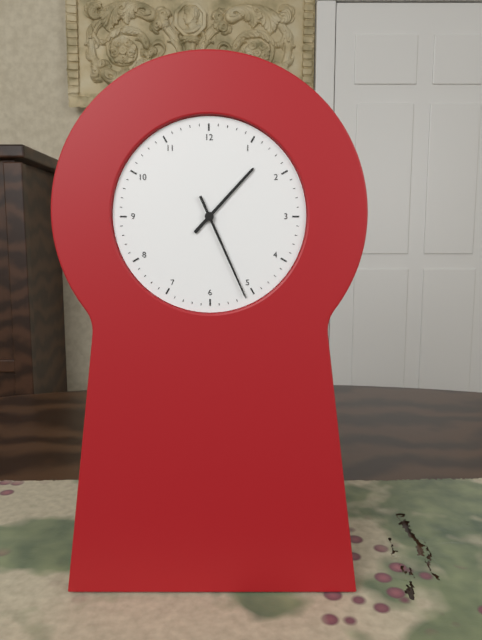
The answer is 1:26
